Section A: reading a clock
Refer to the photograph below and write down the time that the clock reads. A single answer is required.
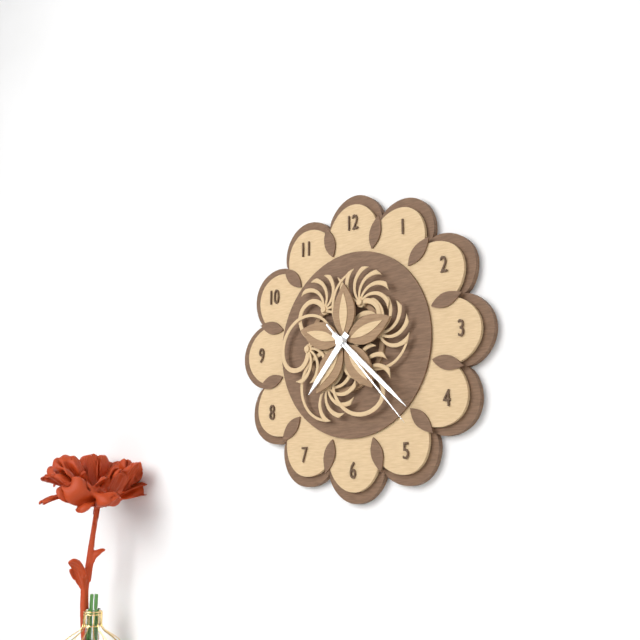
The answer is 7:22:23
